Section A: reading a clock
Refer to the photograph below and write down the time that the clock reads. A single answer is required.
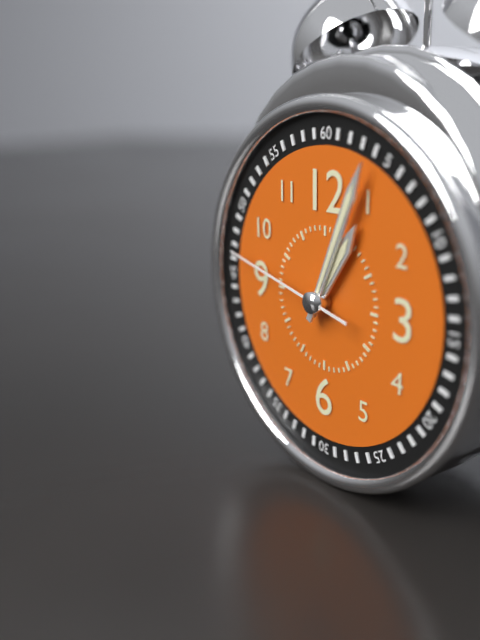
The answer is 1:04:47
